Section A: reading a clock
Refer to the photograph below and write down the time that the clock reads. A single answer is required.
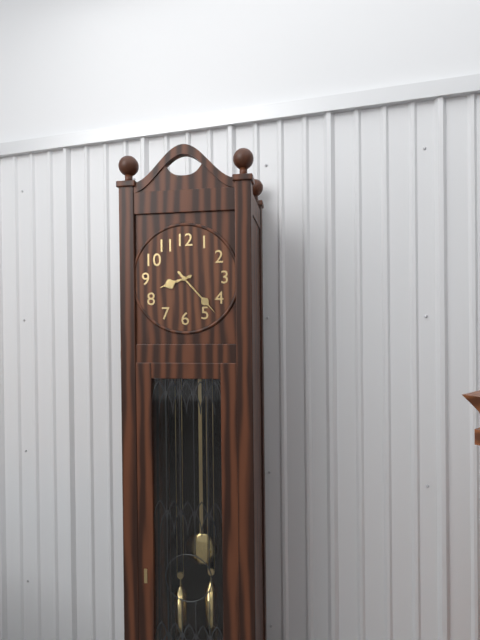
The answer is 8:23
